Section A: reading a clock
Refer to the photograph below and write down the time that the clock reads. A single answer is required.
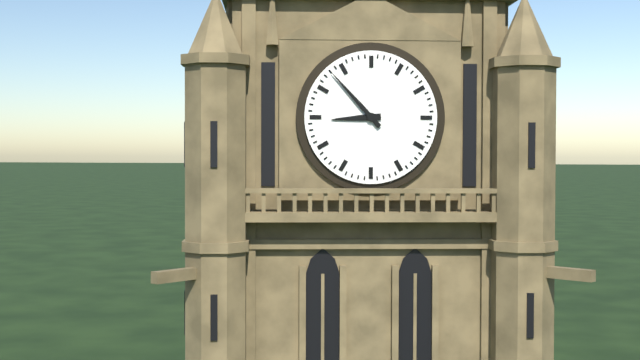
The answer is 8:53
